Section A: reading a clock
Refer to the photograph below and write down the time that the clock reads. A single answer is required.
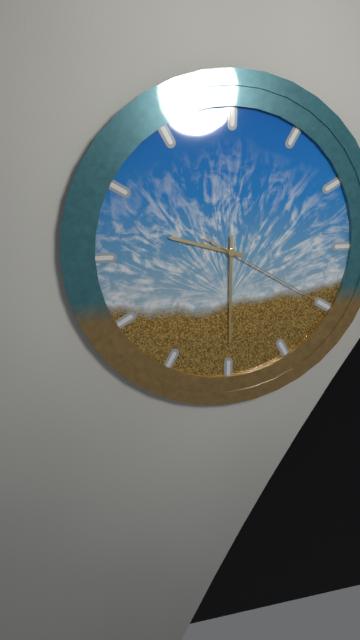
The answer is 9:30:20
